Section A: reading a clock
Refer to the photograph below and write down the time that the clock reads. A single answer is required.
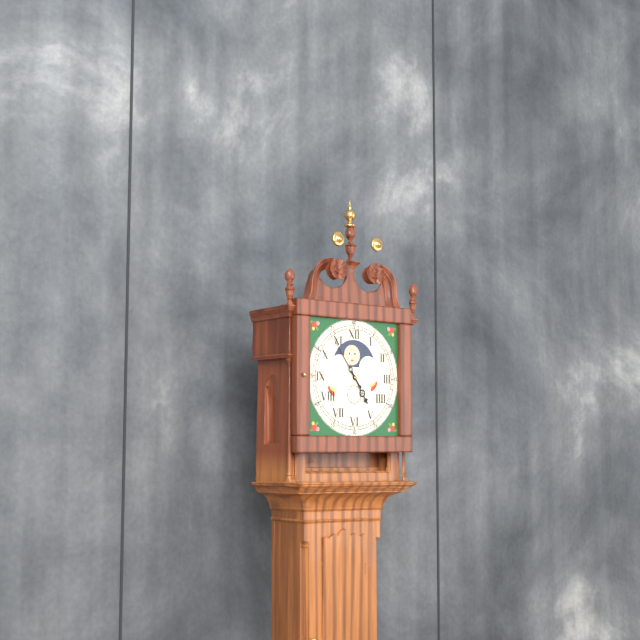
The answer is 4:54
